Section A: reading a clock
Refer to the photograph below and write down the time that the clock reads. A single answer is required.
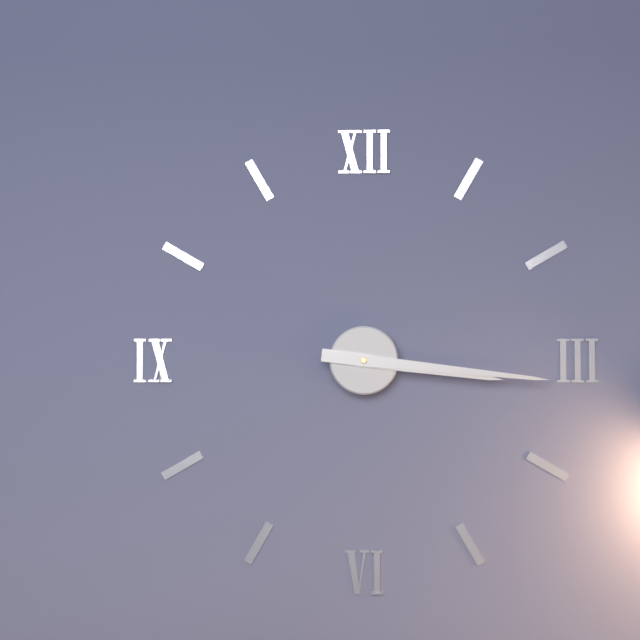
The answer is 3:16
